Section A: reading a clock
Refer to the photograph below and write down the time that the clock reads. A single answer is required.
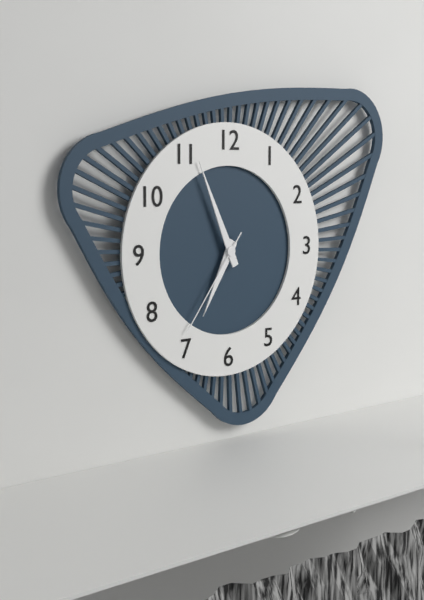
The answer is 6:56:36
